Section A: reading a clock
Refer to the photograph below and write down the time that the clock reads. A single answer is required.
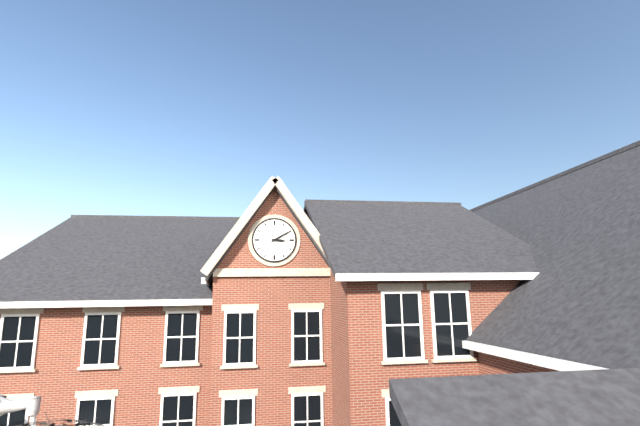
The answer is 3:10
